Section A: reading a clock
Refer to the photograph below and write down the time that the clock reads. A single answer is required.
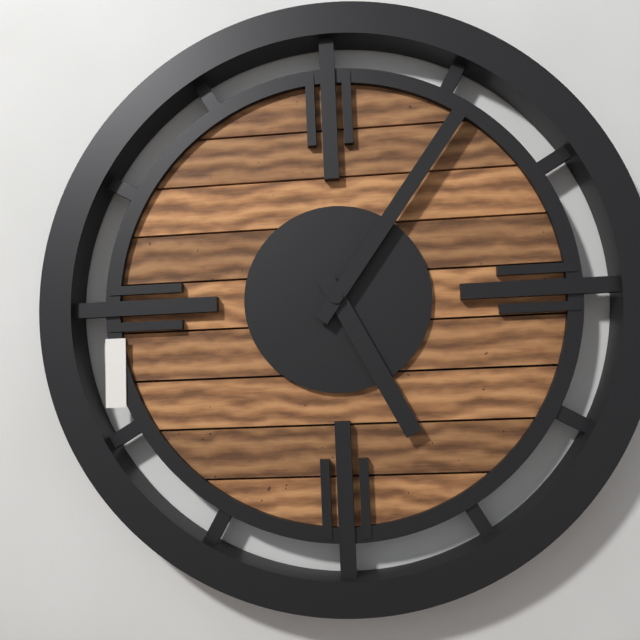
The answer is 5:06
